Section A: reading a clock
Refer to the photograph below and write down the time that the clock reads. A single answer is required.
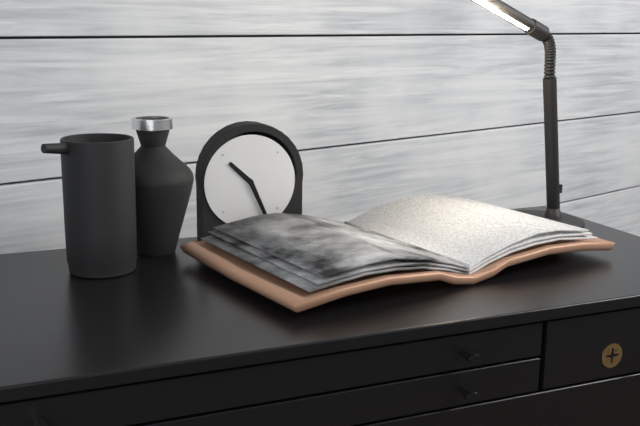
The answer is 10:26
